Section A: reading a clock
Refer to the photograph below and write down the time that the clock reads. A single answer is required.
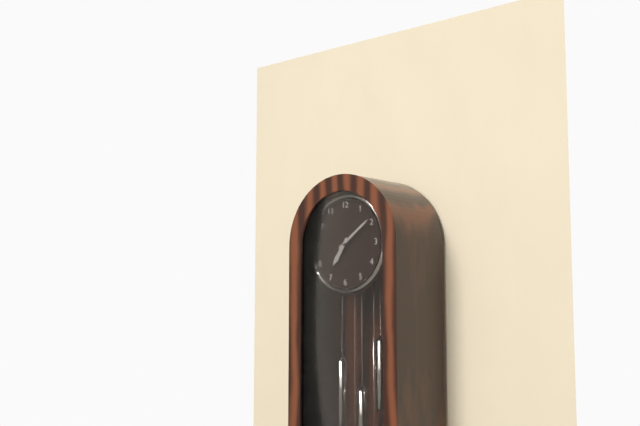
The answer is 7:09
